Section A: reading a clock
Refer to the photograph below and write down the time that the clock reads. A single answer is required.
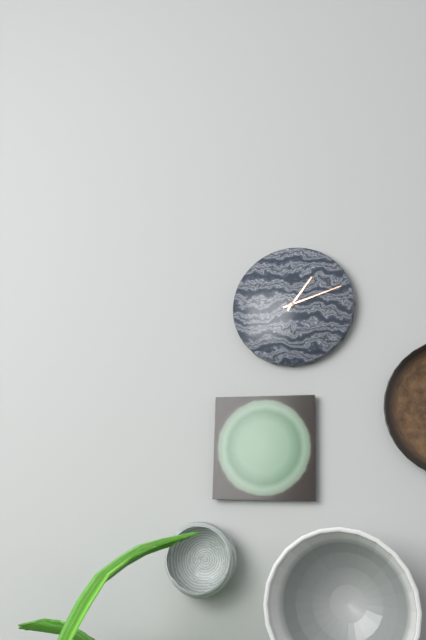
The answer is 1:12
